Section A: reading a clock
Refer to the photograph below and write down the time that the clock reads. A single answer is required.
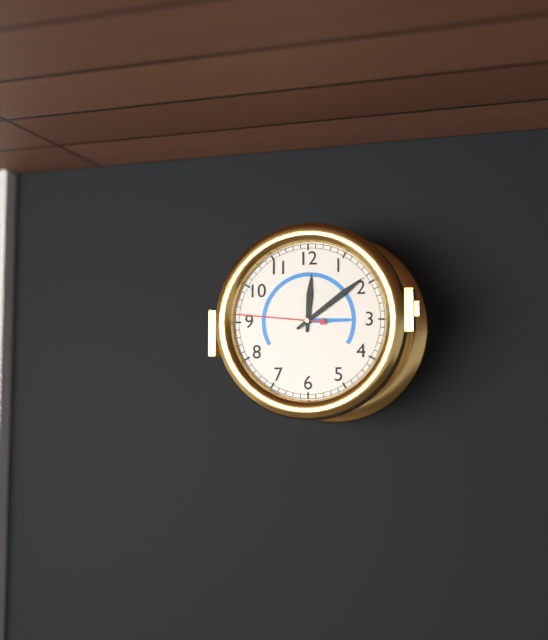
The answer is 12:09:46
